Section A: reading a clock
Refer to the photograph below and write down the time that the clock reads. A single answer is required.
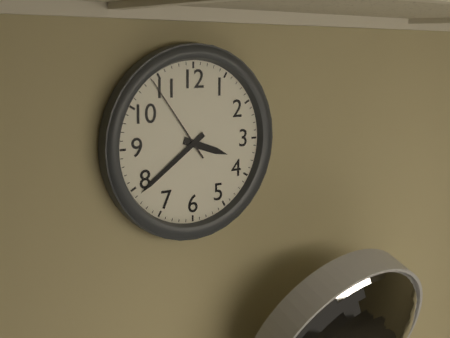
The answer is 3:39:54
